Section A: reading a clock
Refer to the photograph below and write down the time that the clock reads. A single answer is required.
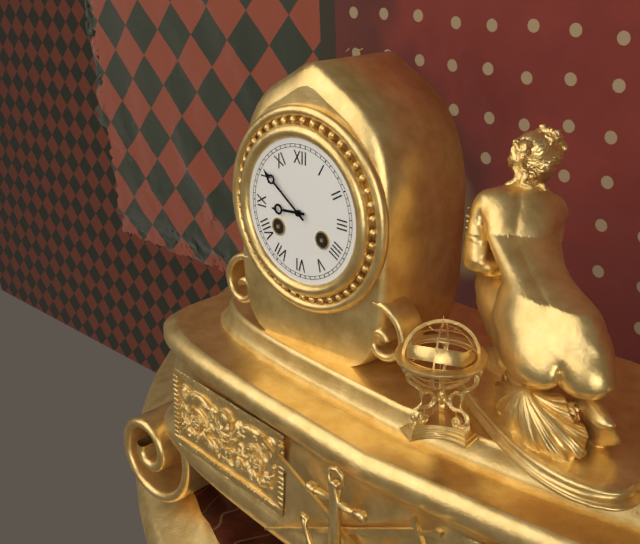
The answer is 8:51
